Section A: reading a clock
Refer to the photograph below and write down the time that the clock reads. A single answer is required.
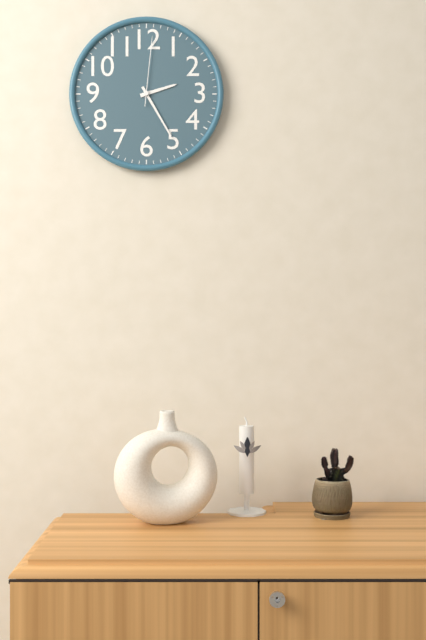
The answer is 2:25:01
